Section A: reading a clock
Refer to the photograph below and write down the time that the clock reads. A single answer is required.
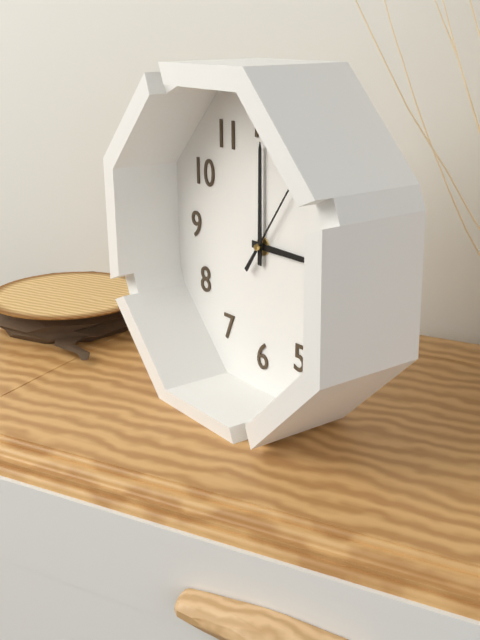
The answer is 3:00
